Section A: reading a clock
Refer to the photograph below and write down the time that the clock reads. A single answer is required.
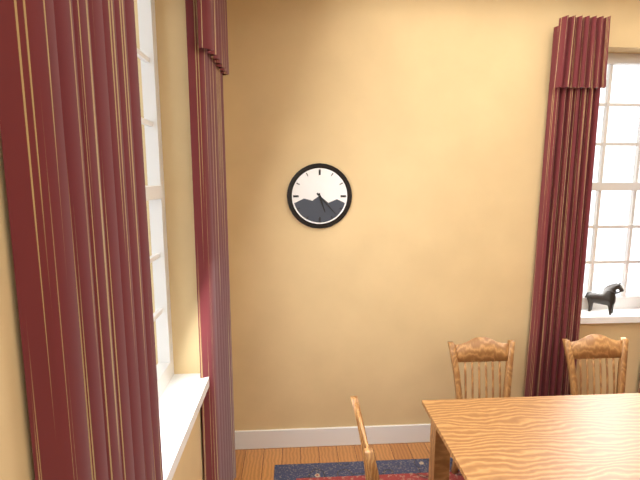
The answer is 5:23
